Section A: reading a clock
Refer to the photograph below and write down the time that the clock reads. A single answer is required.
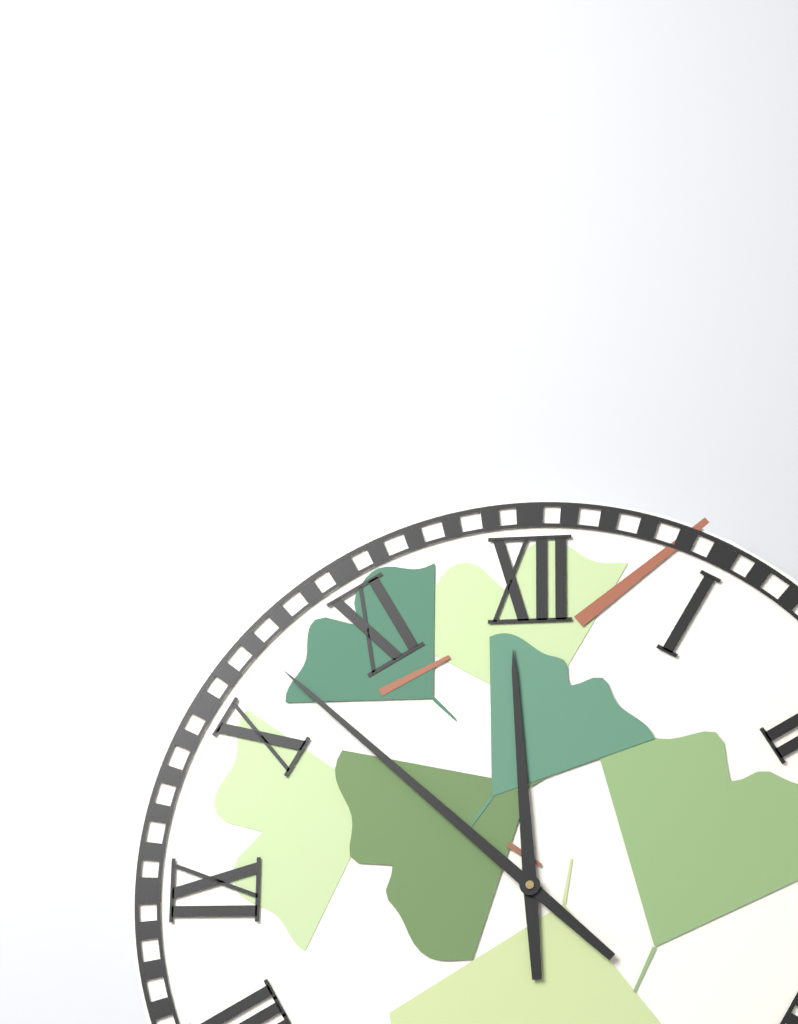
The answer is 11:52
